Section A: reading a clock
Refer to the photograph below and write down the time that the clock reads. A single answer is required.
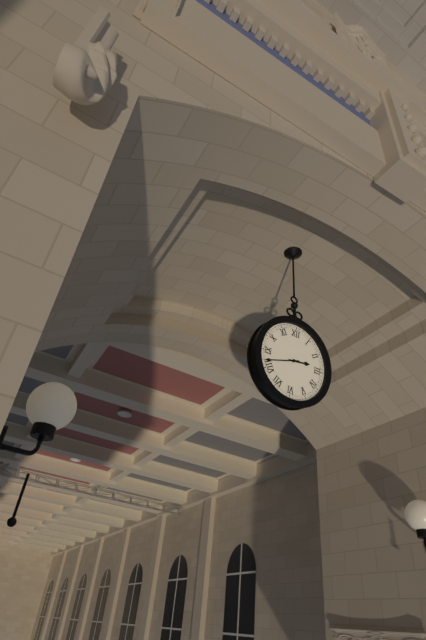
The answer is 2:42
